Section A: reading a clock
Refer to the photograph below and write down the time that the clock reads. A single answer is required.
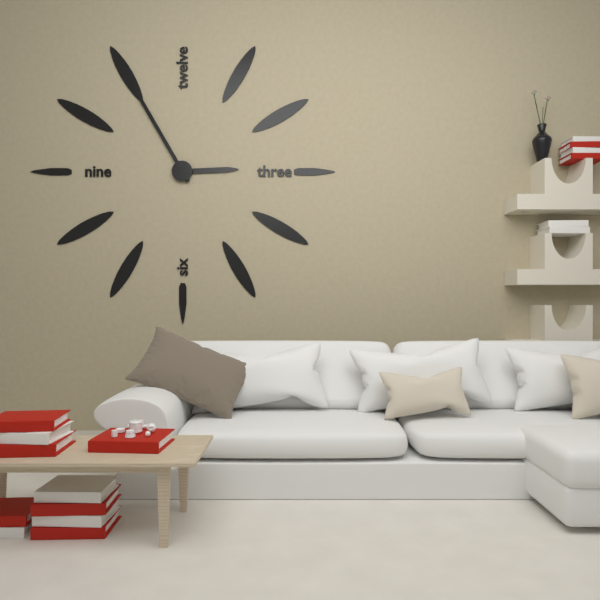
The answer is 2:55
